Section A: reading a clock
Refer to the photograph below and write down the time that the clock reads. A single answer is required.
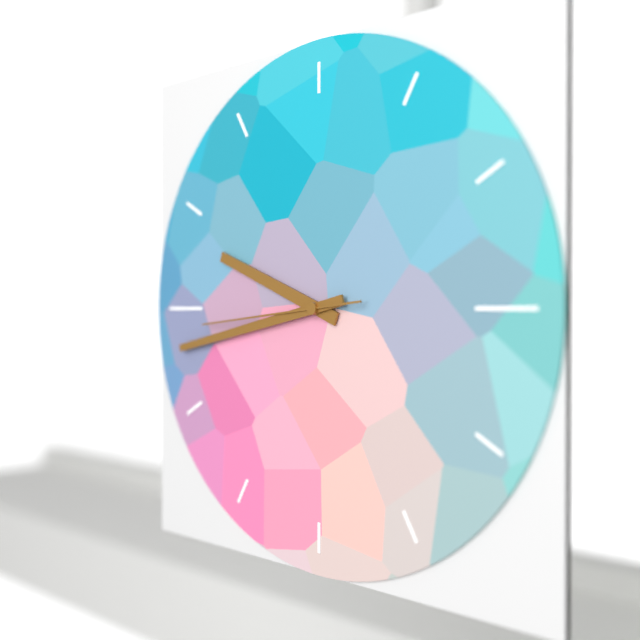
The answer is 9:43:44
